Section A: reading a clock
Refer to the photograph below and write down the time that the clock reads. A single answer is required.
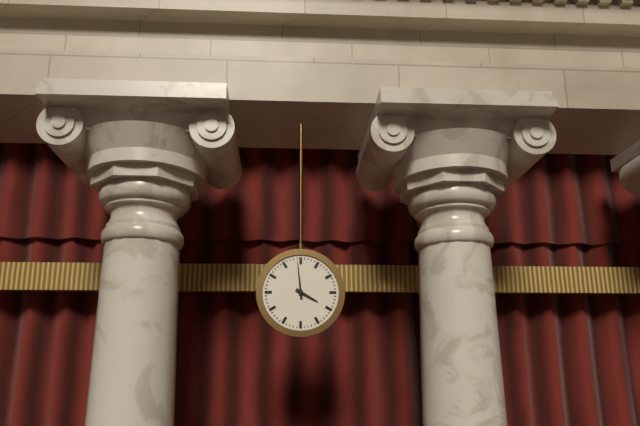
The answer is 3:59
